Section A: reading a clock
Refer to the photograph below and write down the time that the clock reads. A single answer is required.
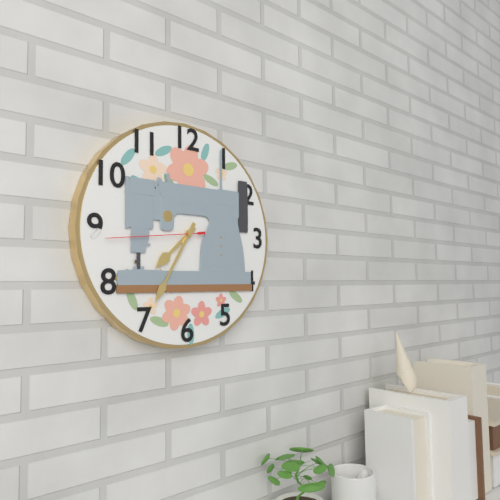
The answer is 7:35:44
